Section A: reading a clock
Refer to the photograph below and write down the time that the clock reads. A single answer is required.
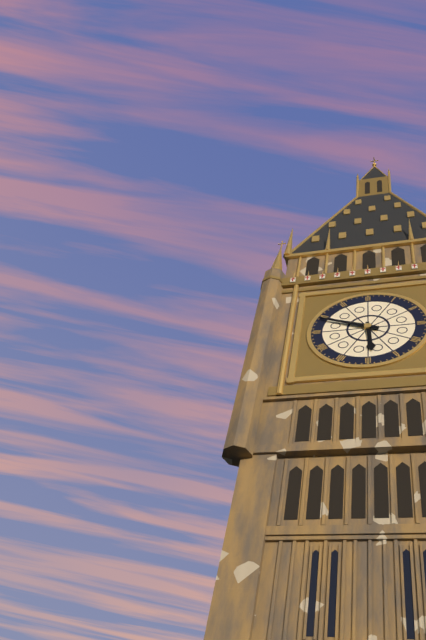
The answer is 5:49
